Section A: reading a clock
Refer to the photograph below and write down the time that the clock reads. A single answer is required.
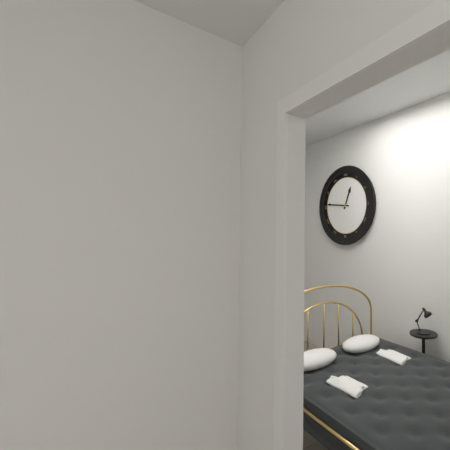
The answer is 12:46
